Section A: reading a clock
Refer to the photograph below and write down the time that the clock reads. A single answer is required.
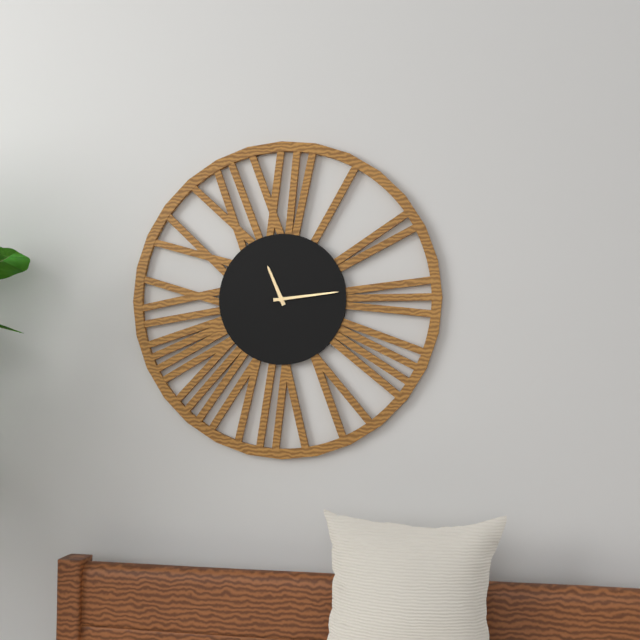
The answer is 11:14
